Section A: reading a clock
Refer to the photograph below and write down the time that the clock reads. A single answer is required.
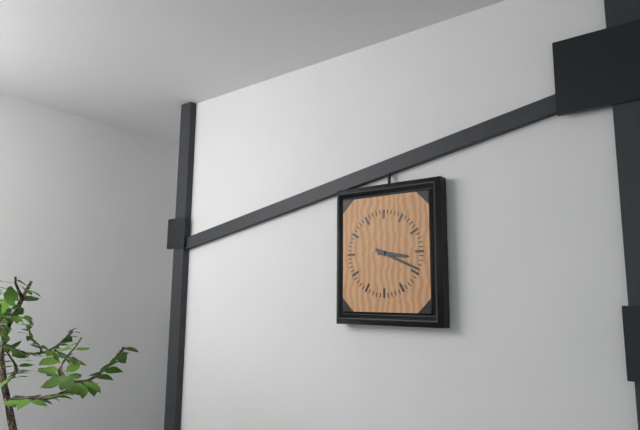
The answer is 3:19
